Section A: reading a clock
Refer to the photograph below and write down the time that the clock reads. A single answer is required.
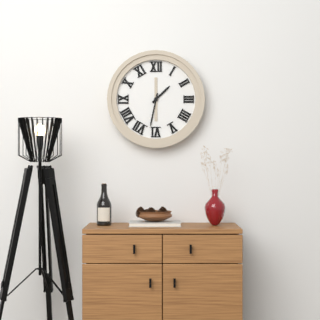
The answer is 1:32
